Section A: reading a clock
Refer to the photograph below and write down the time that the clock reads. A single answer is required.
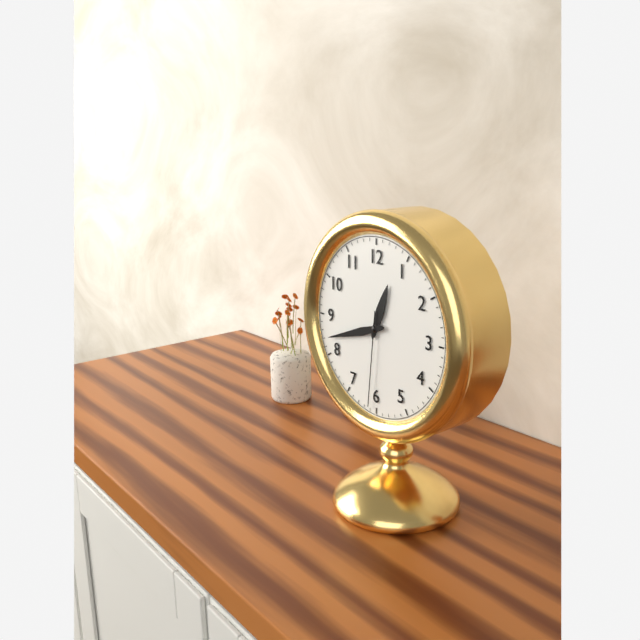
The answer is 12:42:31
